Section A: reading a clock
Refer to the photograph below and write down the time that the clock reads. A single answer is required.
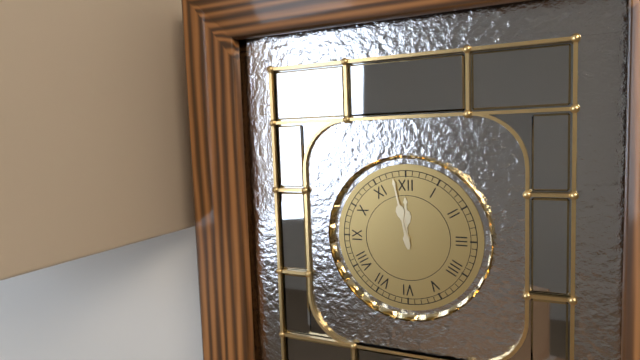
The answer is 11:58
